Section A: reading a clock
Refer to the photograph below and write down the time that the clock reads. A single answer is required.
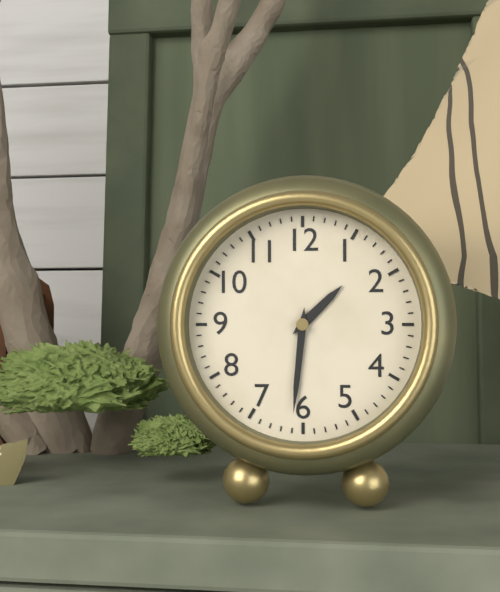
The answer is 1:31
